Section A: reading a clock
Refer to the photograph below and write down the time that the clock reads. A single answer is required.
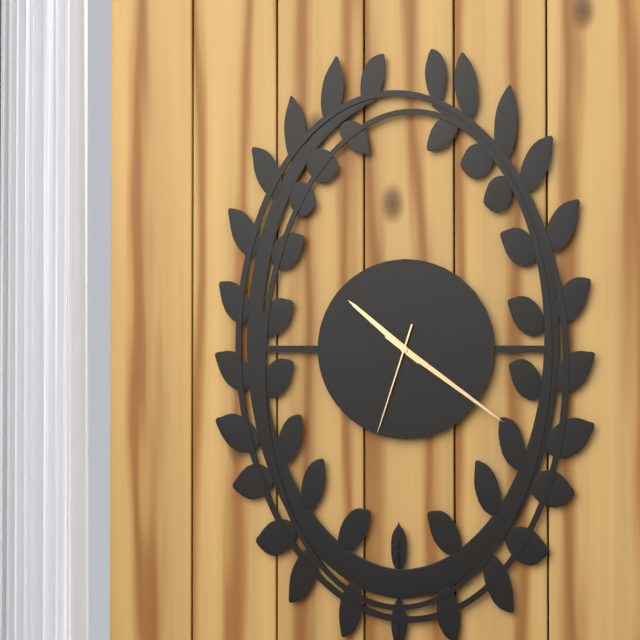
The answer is 10:21:33
